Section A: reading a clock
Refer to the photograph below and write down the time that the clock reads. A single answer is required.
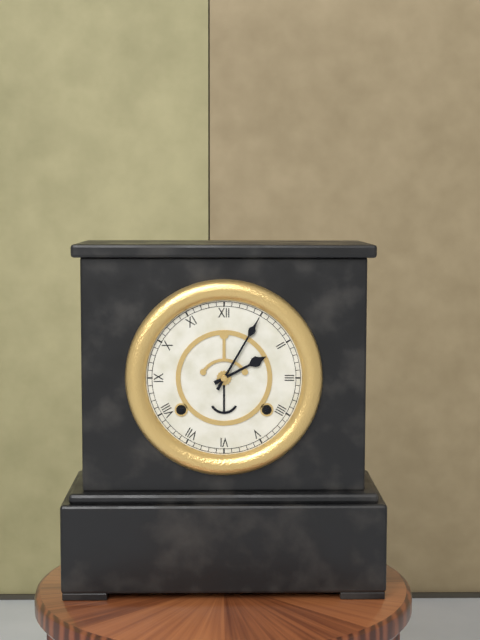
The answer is 2:05
